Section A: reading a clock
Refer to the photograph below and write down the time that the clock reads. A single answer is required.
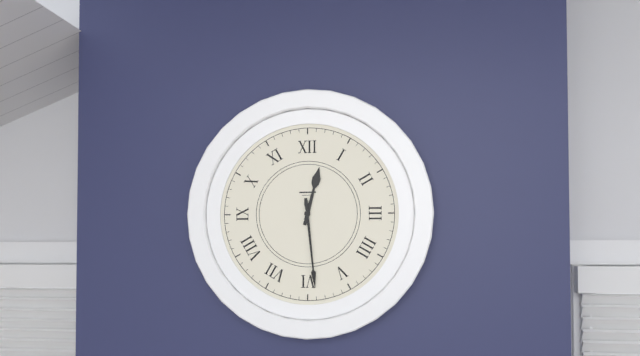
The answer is 12:29
